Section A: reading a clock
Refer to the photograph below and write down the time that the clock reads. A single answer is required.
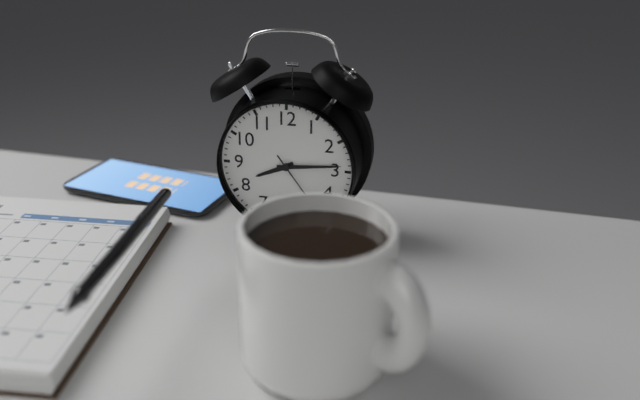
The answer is 8:14
